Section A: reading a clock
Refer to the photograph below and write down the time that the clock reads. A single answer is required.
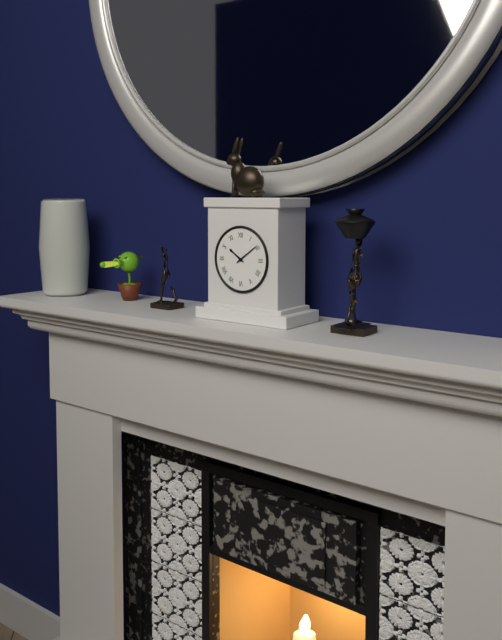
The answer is 10:09
